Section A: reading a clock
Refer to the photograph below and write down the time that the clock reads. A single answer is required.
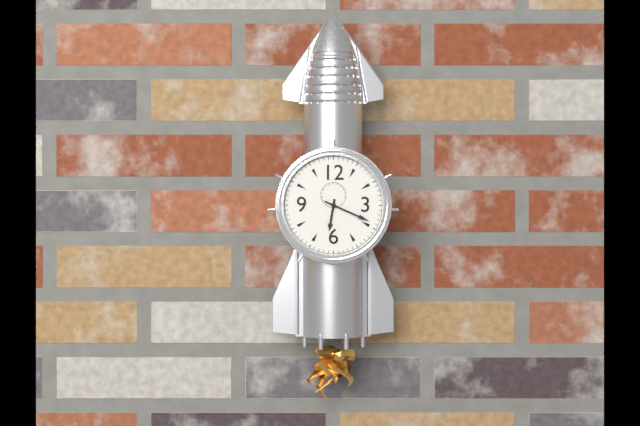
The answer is 6:19
